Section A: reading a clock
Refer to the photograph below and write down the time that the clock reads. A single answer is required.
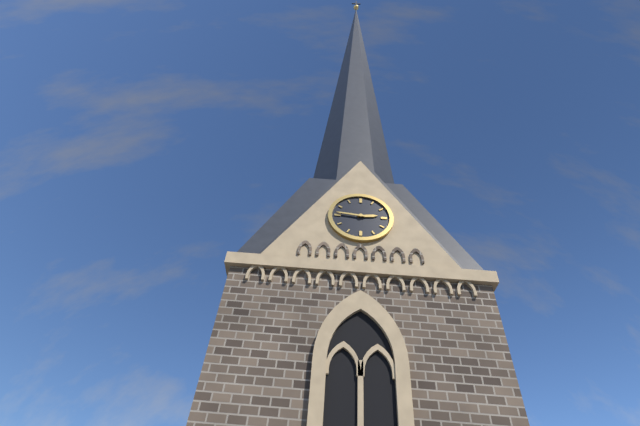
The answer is 2:46
